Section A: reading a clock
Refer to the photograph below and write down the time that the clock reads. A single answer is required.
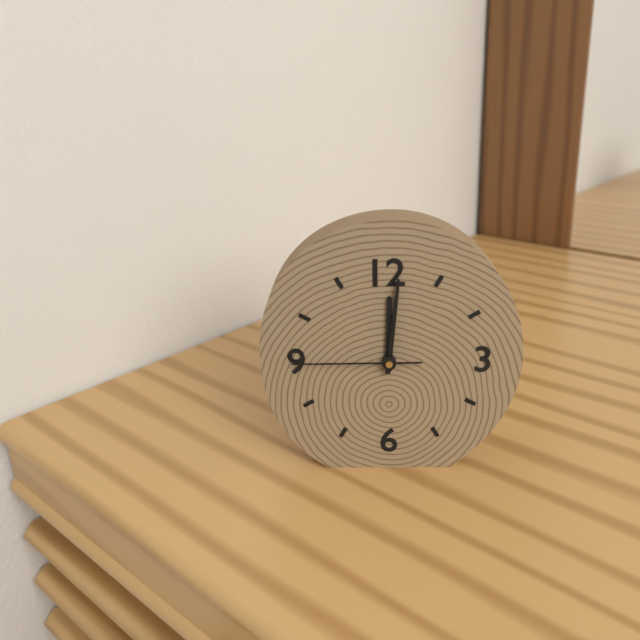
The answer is 12:01:45
